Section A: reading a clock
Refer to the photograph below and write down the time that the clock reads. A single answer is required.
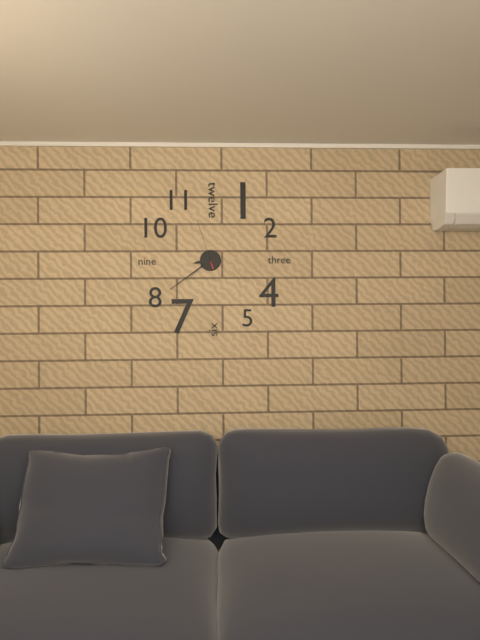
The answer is 8:39:57
